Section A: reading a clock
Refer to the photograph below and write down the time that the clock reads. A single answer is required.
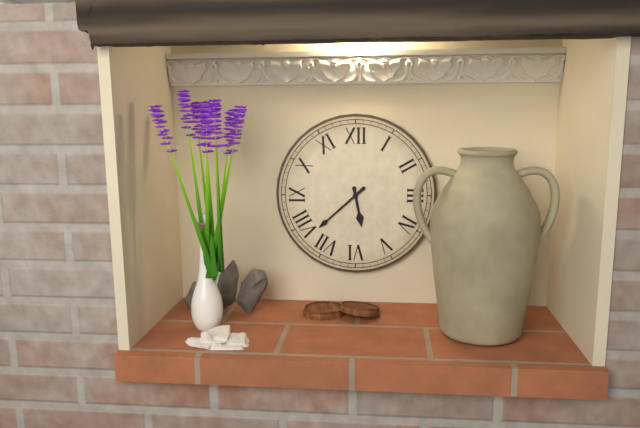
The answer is 5:38
